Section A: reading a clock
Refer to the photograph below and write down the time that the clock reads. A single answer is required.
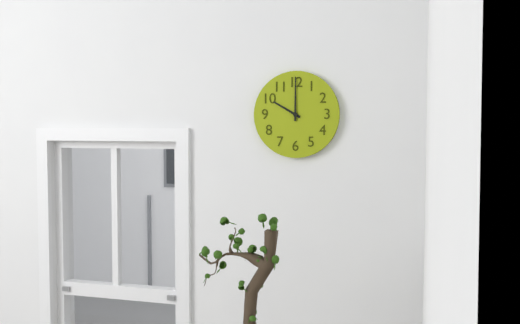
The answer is 10:00
